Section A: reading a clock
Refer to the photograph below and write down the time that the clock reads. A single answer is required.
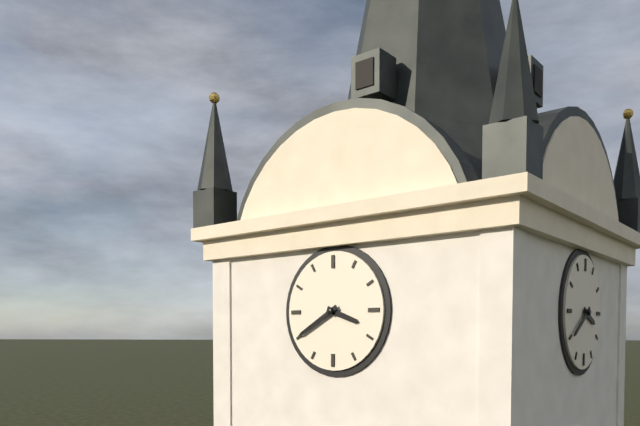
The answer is 3:40
